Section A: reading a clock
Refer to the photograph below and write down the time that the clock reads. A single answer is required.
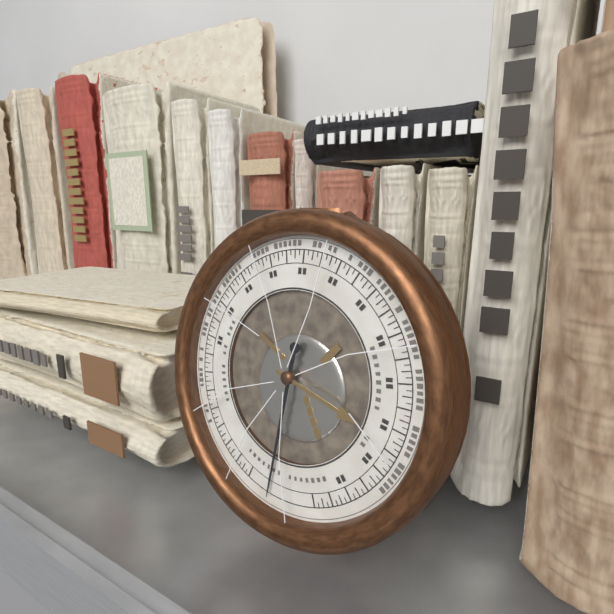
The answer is 3:31
